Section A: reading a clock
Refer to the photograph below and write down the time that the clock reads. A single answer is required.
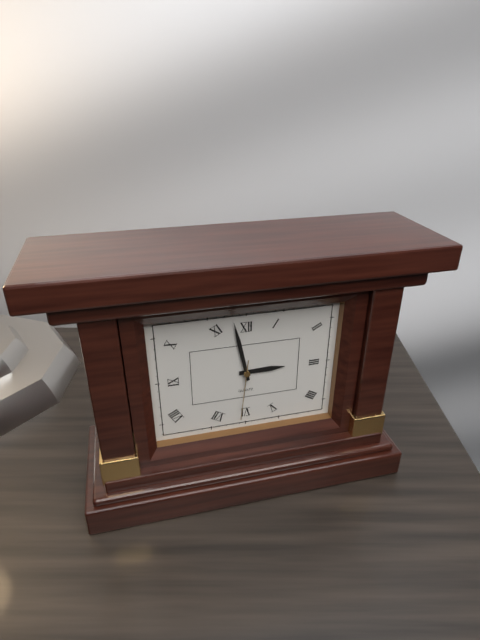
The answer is 2:58:31
